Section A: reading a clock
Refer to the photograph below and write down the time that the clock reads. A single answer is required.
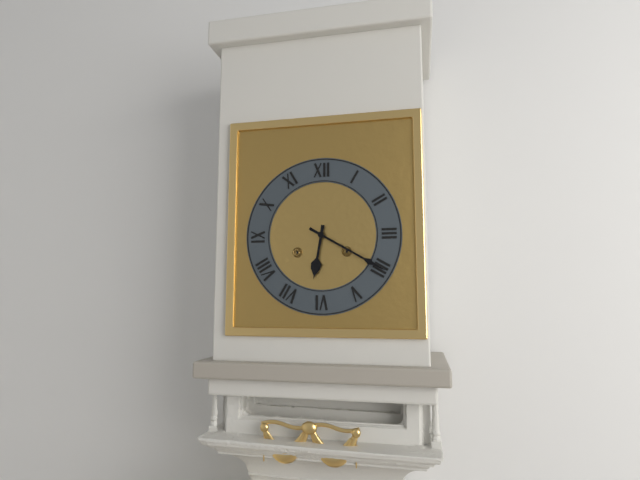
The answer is 6:20
